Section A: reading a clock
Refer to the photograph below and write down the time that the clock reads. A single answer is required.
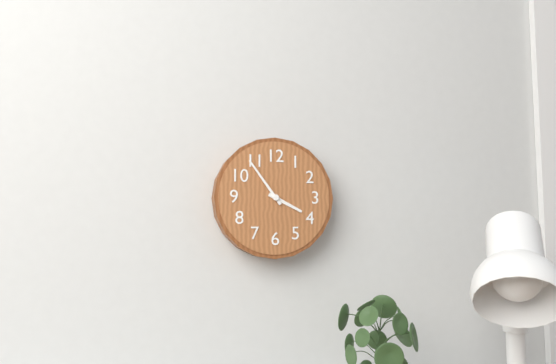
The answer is 3:54
